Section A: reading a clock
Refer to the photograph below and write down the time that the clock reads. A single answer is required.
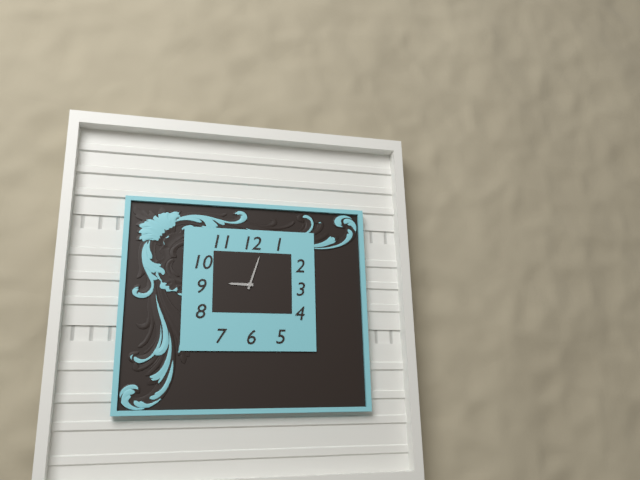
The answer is 9:03
